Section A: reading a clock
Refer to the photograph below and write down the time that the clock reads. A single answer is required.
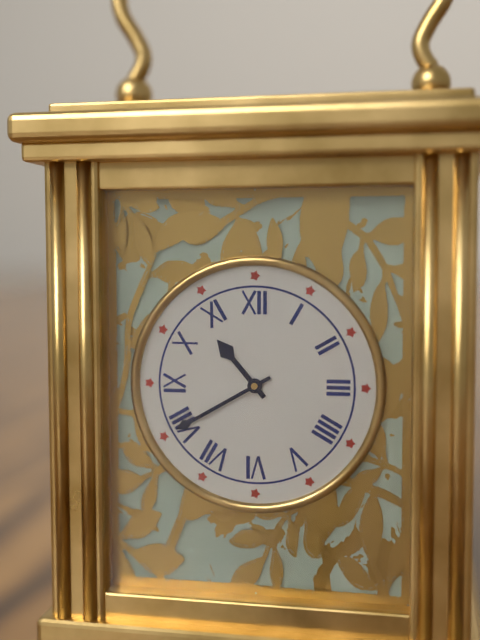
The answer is 10:40
